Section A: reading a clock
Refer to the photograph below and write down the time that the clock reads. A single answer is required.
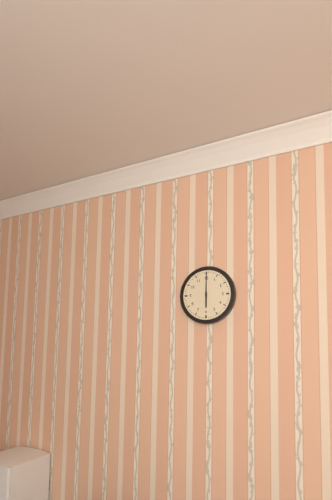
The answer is 6:00
